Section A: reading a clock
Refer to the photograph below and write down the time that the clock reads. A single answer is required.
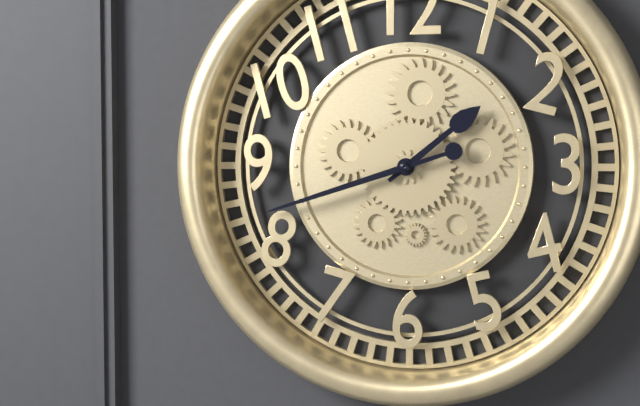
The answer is 1:42
